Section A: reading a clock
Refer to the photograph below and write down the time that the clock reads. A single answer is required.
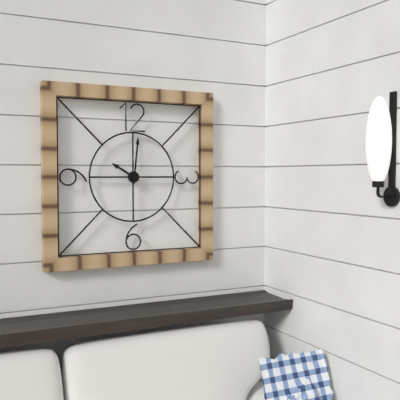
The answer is 10:01
